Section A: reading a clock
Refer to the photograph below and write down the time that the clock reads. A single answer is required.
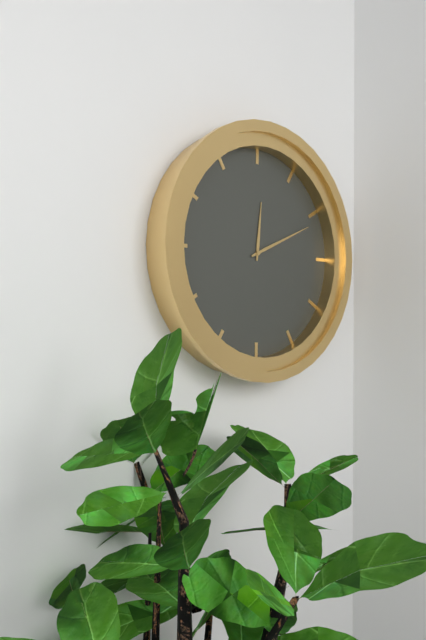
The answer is 12:11
